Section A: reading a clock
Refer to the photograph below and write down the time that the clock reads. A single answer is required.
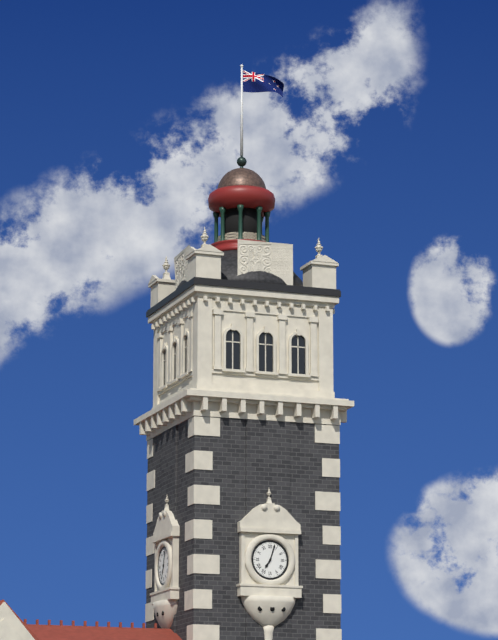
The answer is 7:03
